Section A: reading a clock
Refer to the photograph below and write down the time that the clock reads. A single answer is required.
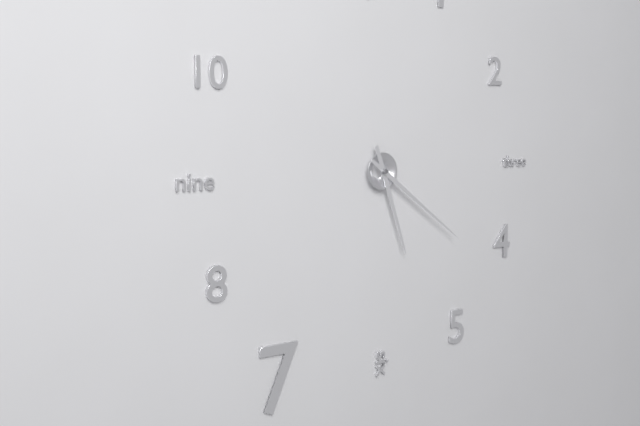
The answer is 5:21
